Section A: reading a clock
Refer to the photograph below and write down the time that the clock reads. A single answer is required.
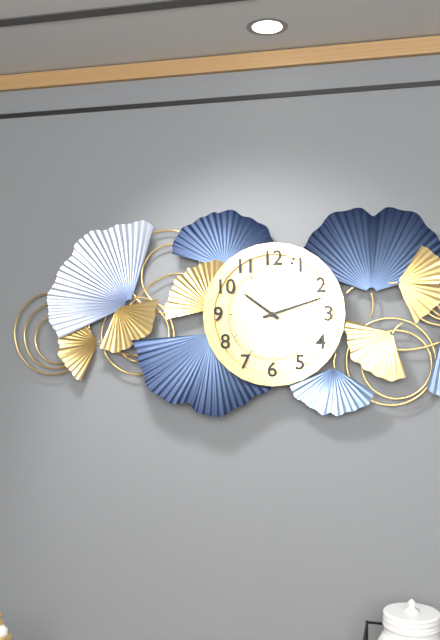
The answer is 10:12
